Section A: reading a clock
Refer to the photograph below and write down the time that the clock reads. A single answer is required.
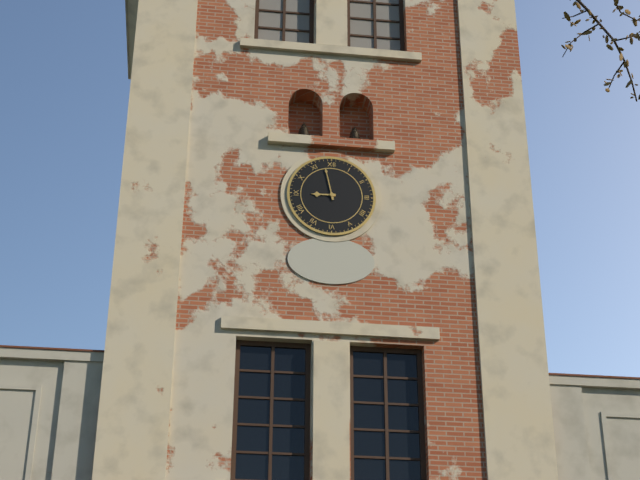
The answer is 8:58
